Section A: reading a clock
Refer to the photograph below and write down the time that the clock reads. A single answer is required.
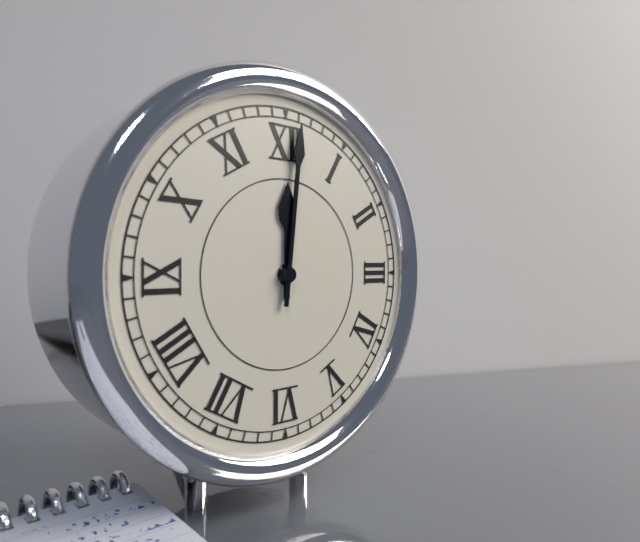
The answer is 12:01
